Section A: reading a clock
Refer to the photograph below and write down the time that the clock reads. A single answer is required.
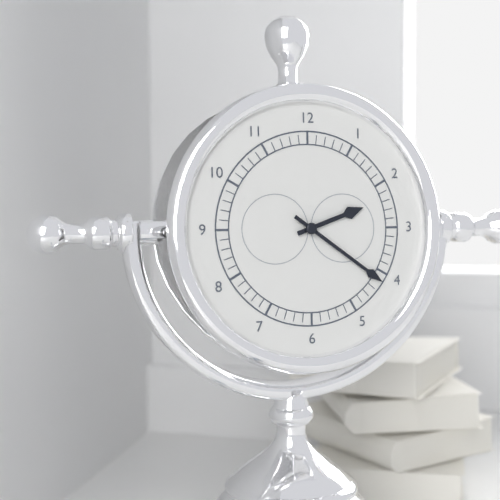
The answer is 2:21
